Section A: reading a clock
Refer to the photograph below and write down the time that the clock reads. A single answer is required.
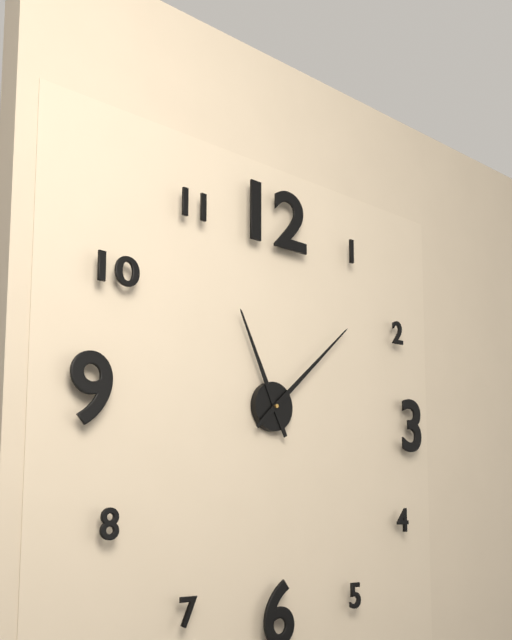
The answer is 11:08
